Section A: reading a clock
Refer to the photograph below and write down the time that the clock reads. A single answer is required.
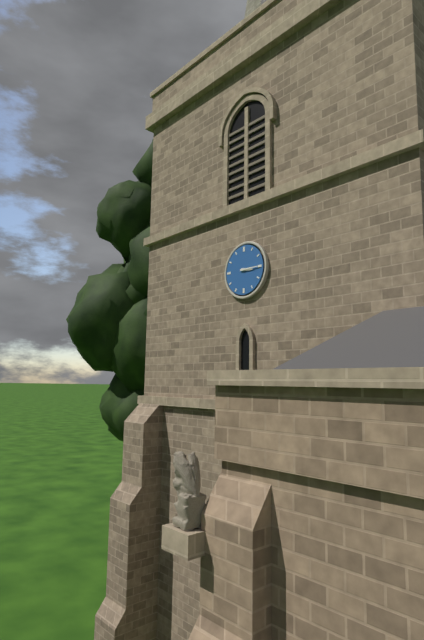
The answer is 3:15
